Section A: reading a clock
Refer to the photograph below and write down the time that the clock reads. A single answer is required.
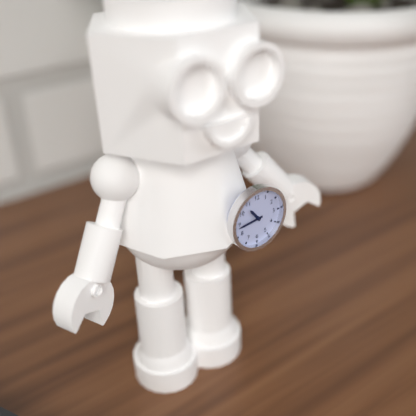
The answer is 10:44
